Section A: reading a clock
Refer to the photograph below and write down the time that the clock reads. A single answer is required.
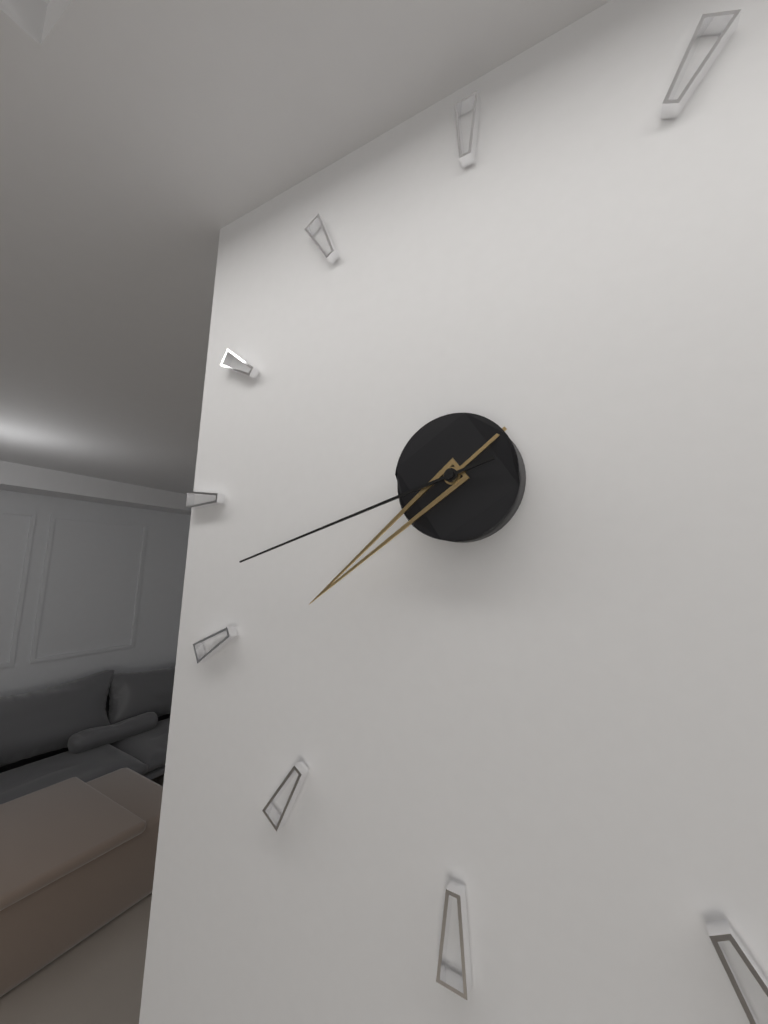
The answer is 7:42
